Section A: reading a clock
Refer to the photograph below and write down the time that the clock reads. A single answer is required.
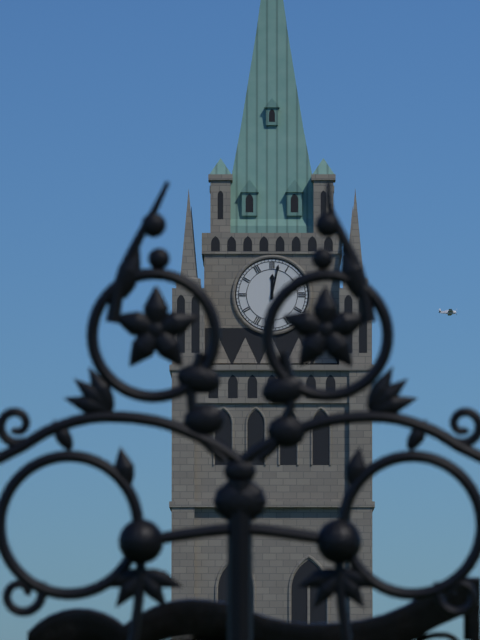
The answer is 12:02
